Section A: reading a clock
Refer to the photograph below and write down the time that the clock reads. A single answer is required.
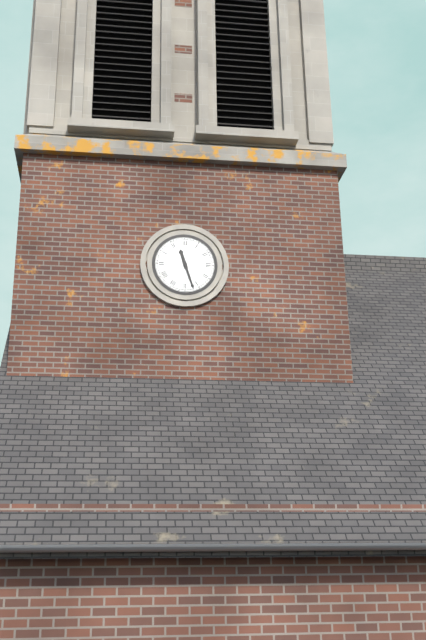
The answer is 11:27
